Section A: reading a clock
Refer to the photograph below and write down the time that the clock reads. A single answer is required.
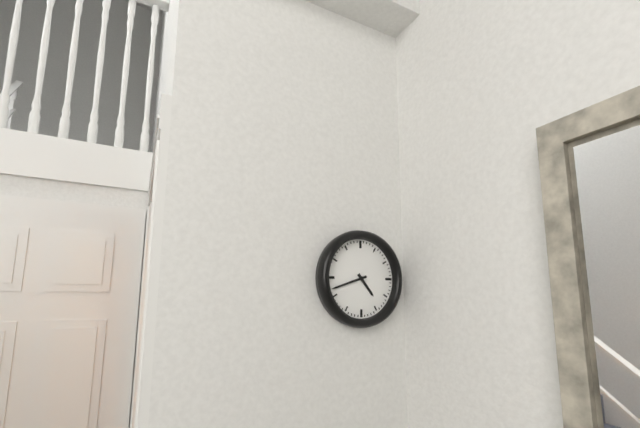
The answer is 4:42
